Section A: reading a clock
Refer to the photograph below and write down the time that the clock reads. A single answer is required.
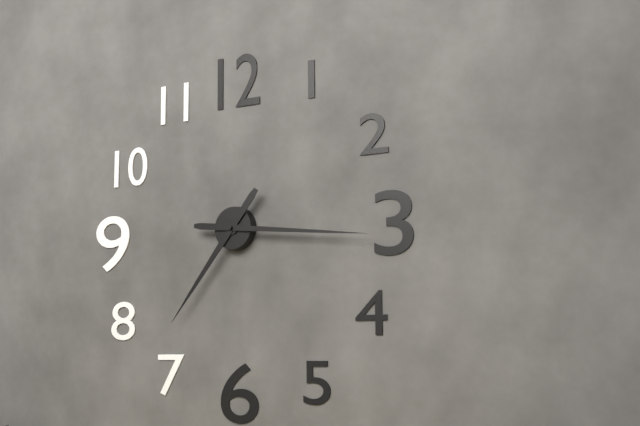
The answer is 7:16
